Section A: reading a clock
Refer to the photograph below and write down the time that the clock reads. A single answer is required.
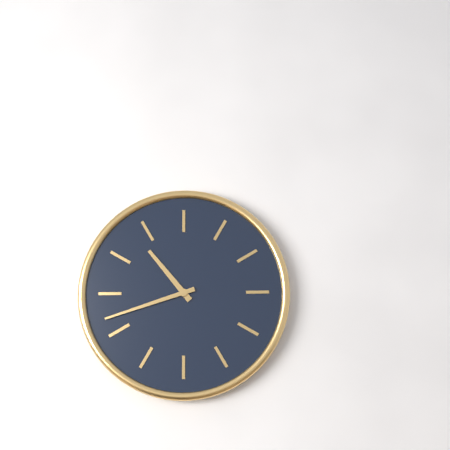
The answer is 10:42
